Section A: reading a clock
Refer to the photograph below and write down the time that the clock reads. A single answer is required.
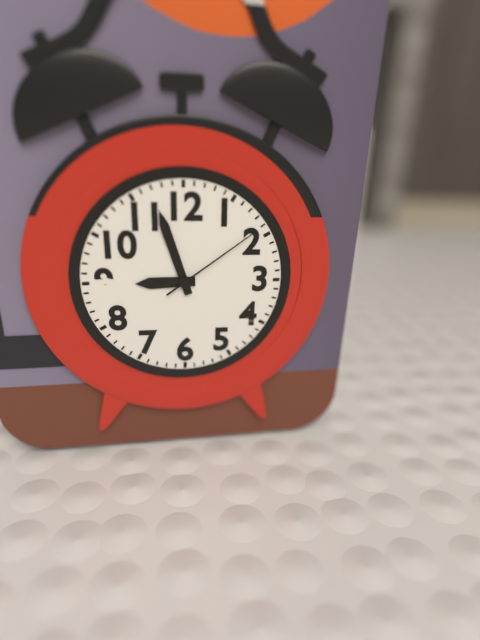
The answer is 8:57:09
